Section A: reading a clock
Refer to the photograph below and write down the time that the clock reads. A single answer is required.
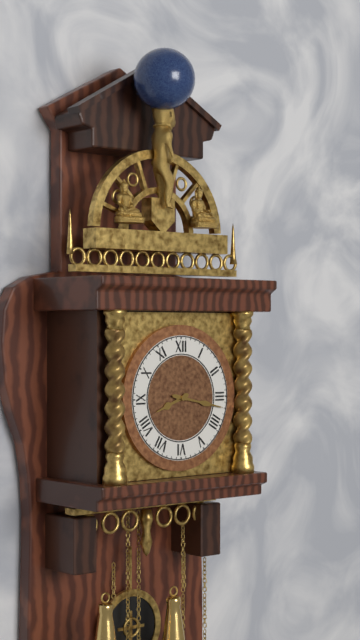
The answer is 8:17
